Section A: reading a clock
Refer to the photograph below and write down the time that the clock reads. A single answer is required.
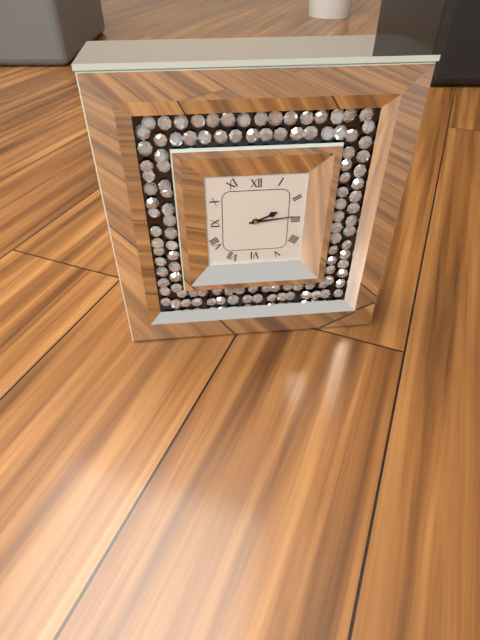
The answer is 2:14
